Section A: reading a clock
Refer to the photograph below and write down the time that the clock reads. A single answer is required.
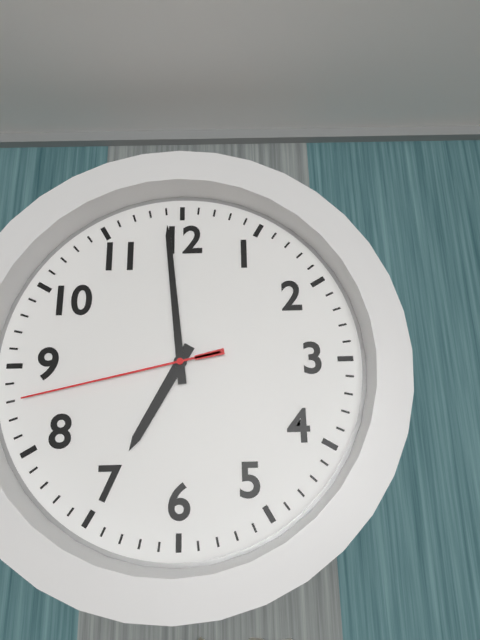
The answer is 6:59:43
